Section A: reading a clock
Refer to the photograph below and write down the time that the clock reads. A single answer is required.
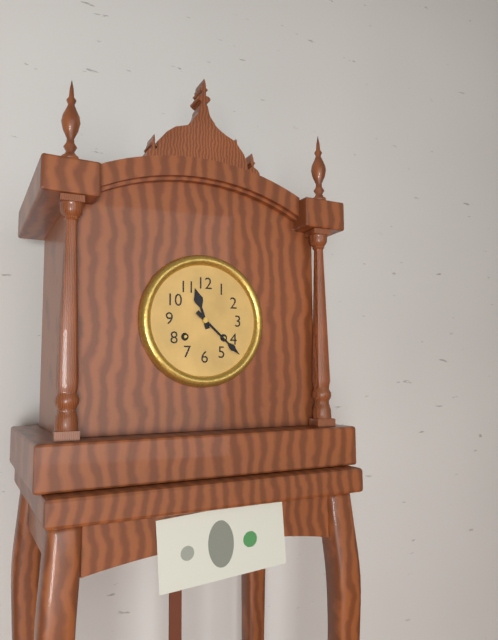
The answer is 11:22
